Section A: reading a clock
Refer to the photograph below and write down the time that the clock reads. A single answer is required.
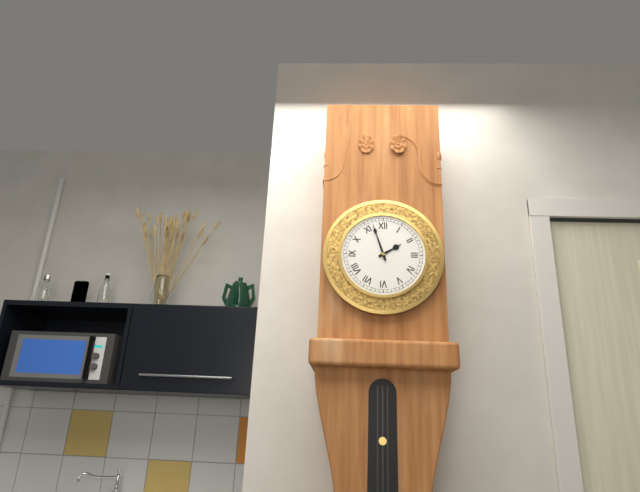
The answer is 1:57
